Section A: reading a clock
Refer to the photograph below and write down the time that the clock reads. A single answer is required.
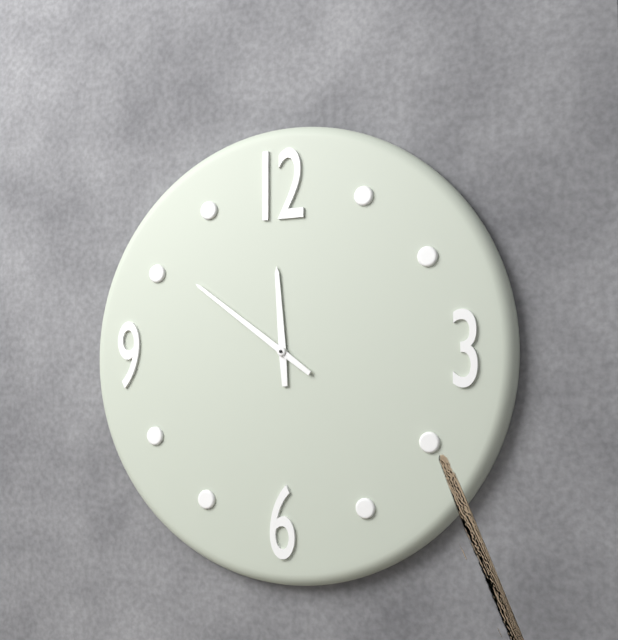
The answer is 11:51
